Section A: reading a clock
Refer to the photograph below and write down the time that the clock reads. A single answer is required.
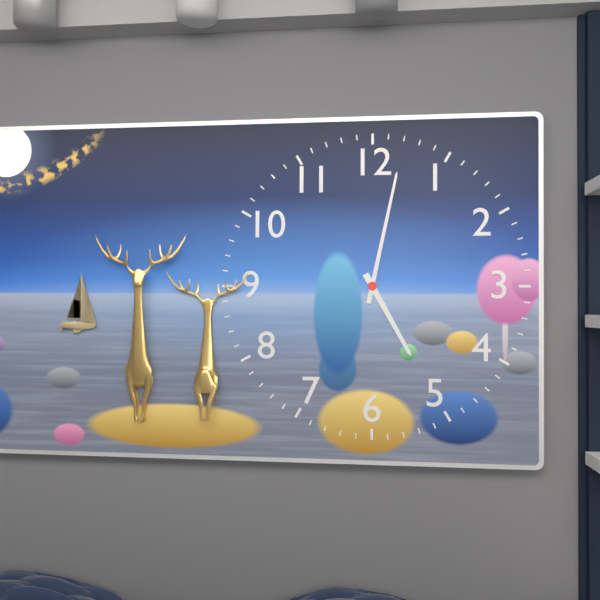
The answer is 5:02
